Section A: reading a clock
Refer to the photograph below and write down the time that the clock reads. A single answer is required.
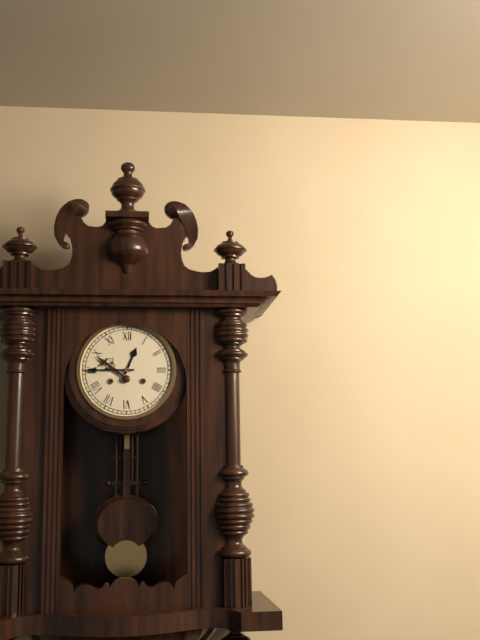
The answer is 12:45
